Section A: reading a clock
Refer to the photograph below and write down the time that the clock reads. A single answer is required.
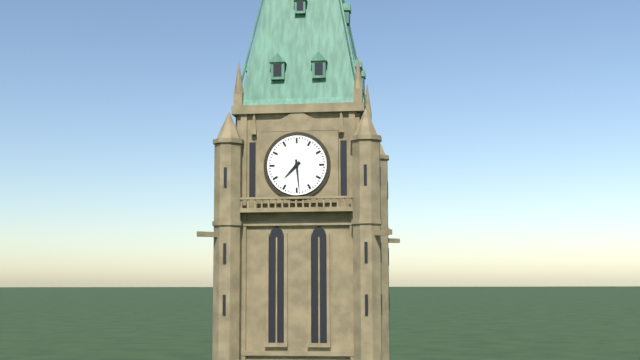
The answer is 7:29
